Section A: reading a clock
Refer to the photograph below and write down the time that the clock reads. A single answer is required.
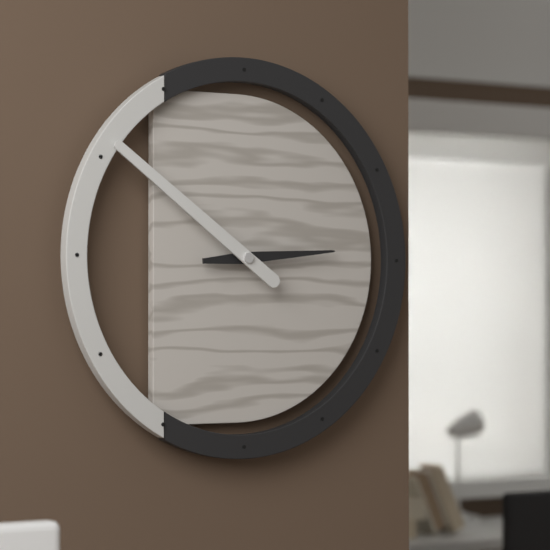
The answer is 2:51
